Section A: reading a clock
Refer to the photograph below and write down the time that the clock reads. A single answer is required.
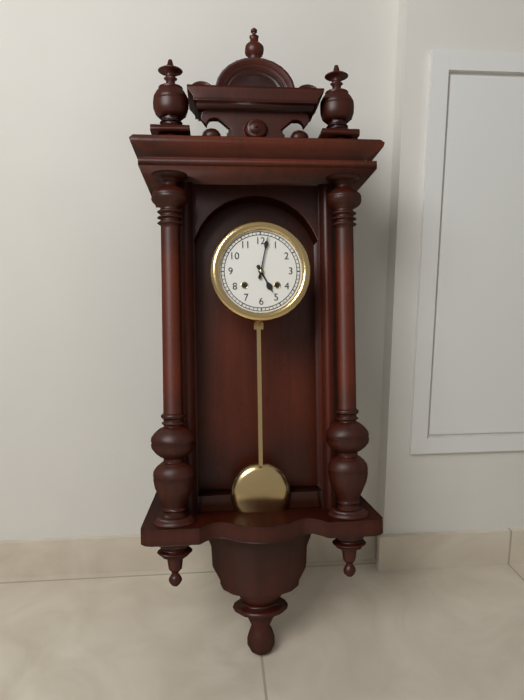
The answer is 5:02
